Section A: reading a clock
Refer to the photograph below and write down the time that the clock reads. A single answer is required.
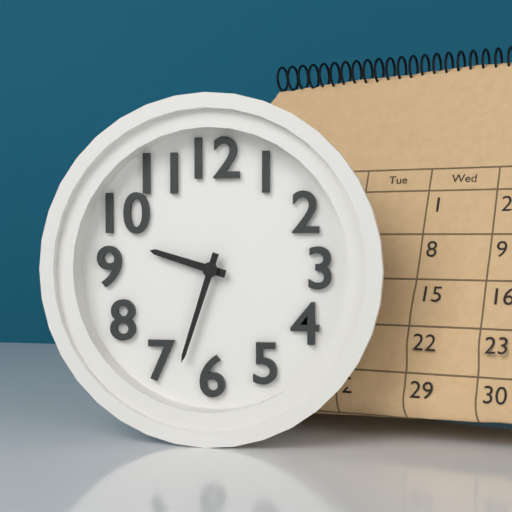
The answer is 9:33
